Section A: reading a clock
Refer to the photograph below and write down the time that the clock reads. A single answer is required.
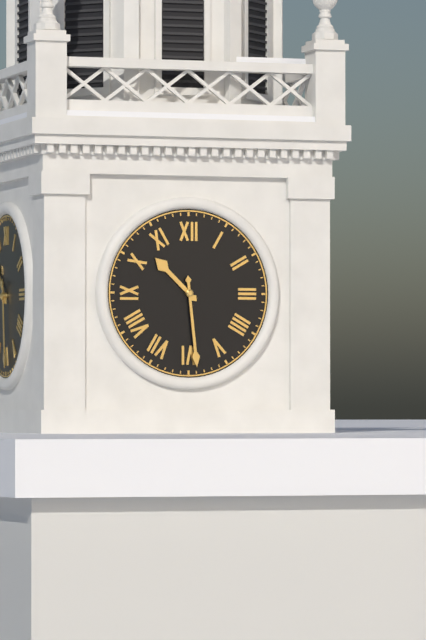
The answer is 10:29
